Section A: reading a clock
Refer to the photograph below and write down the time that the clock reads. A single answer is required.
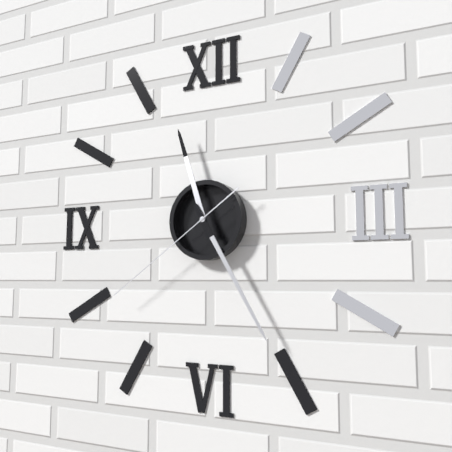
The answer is 11:25:39
